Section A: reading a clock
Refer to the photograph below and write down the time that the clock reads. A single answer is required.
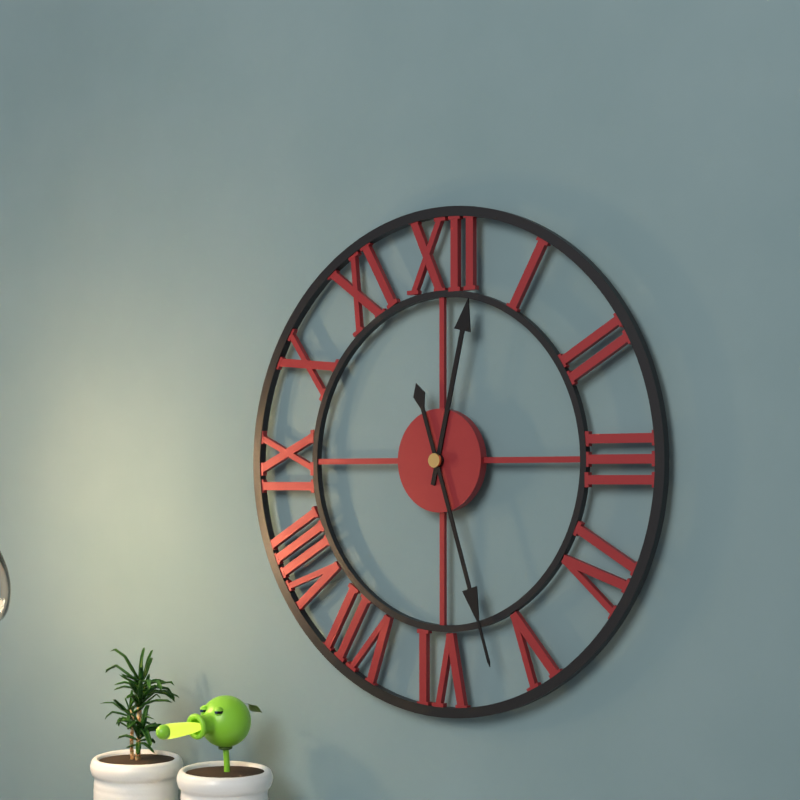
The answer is 12:27
